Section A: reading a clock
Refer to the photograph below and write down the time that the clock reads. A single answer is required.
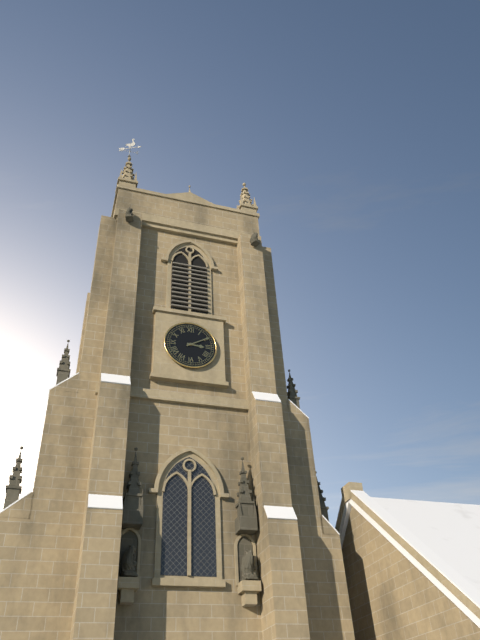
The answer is 3:10
